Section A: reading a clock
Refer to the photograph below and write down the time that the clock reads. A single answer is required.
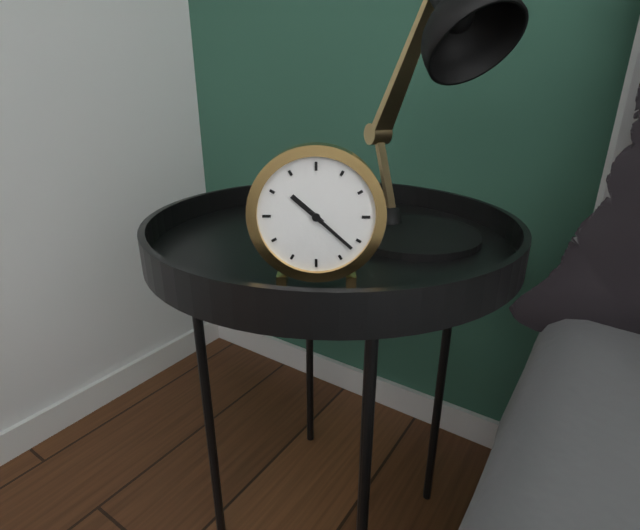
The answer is 10:22
